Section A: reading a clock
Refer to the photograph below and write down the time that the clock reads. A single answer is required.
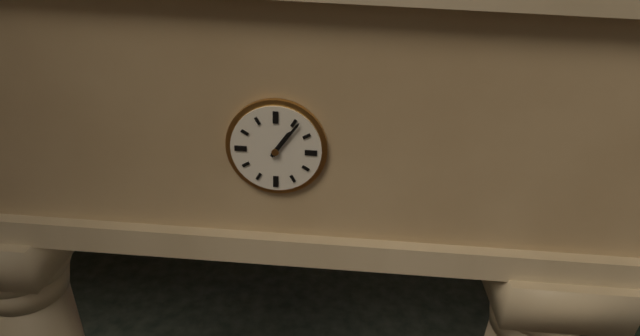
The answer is 1:06
